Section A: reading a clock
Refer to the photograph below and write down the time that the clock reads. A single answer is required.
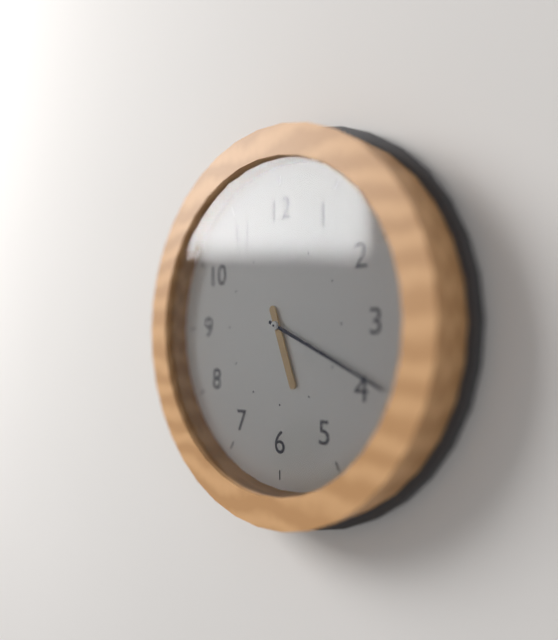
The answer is 5:19
